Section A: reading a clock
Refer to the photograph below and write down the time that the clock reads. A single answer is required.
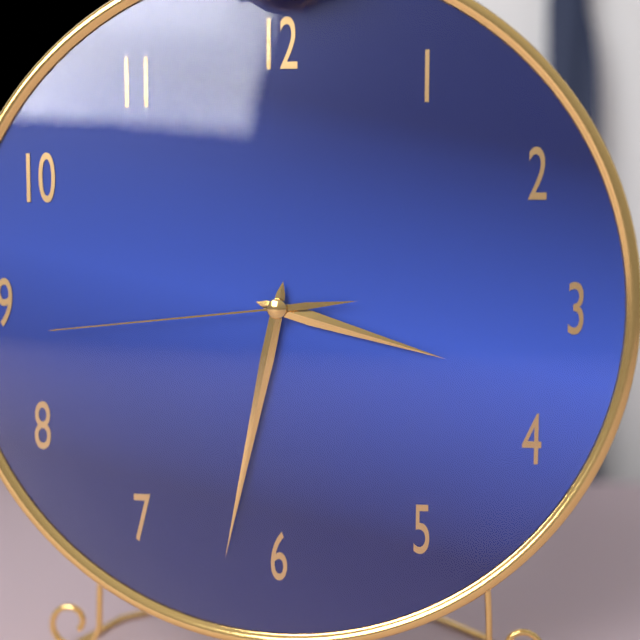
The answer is 3:32:44
